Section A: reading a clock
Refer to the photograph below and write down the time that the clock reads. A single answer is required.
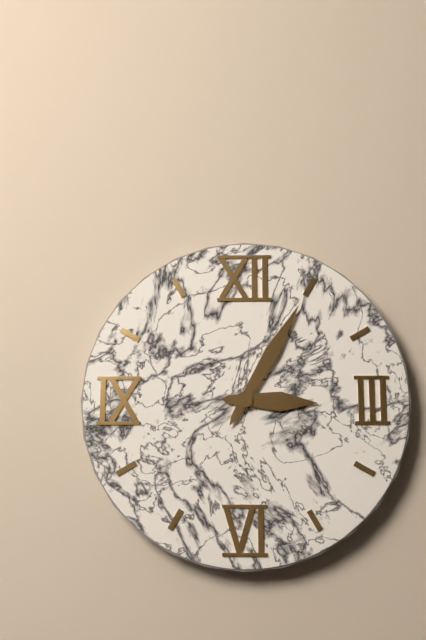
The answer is 3:05
